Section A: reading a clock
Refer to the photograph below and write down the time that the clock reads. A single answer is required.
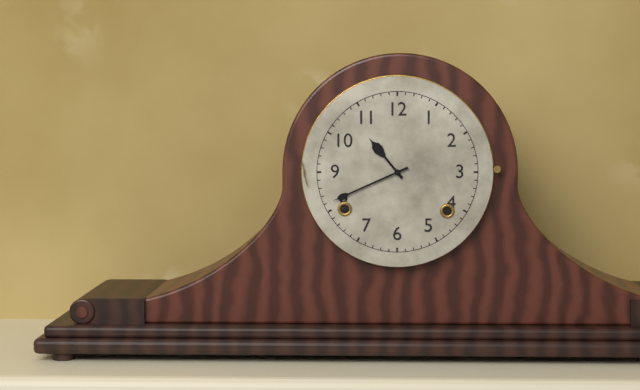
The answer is 10:41
